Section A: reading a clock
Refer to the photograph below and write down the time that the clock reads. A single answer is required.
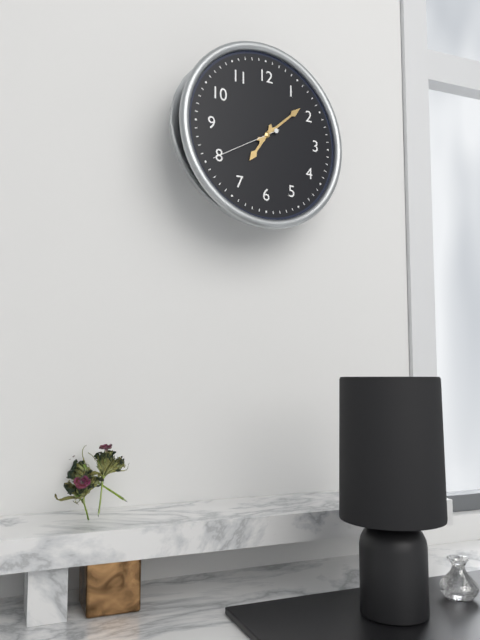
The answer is 7:08:40
